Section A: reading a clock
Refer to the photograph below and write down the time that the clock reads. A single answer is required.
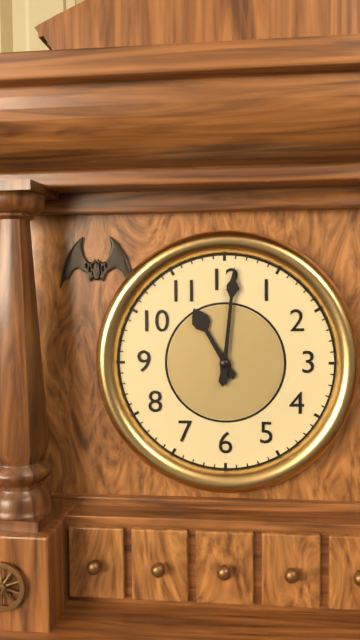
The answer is 11:01
